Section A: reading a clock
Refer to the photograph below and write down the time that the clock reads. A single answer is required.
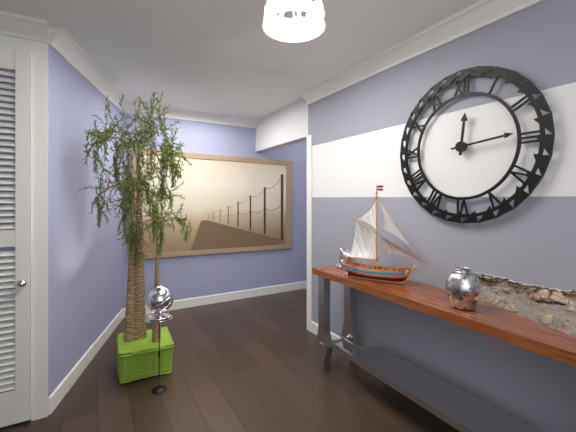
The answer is 12:14
